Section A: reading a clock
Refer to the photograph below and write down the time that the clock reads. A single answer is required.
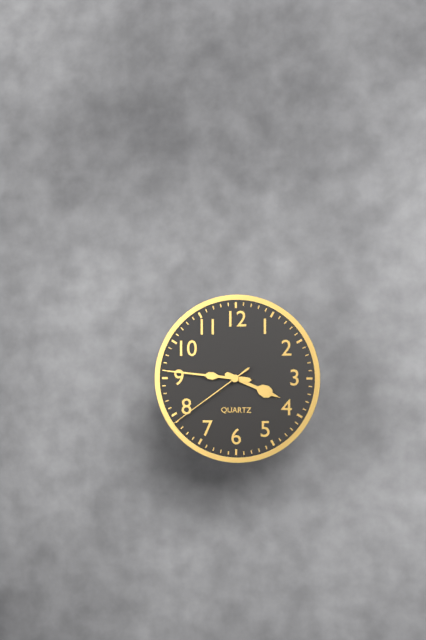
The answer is 3:46:39
